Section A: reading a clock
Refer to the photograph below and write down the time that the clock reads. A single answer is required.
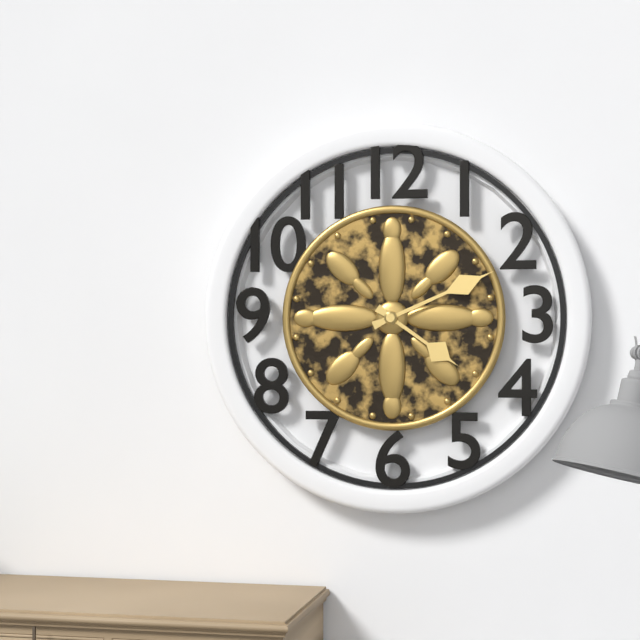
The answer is 4:11
